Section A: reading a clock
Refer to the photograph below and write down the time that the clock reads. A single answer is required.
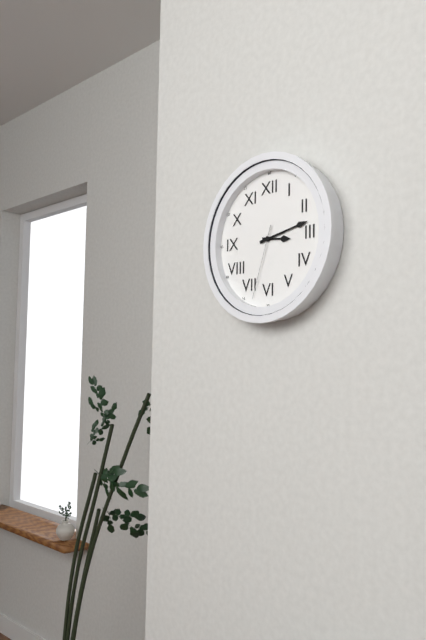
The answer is 3:13:33
